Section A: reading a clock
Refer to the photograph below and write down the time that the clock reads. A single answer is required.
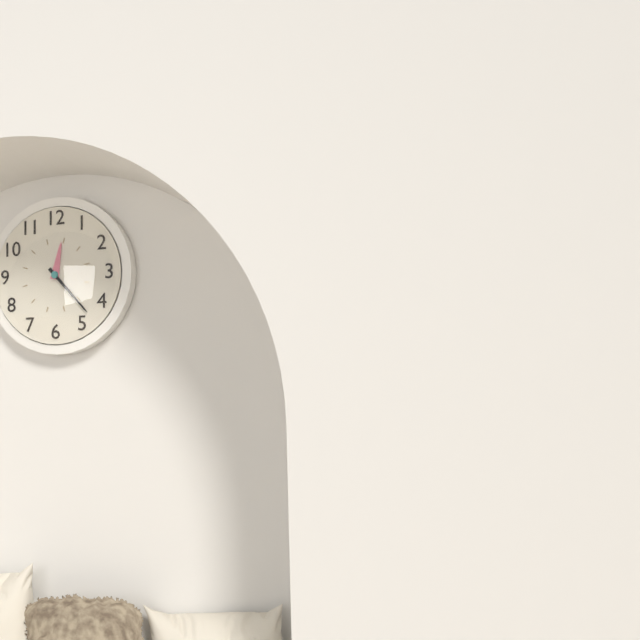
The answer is 12:23
